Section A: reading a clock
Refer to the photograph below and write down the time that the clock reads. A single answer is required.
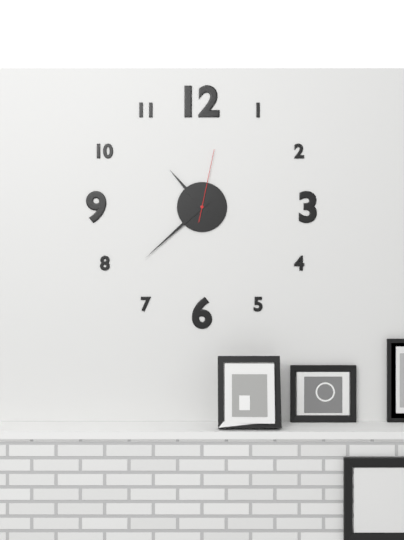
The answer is 10:38:02
